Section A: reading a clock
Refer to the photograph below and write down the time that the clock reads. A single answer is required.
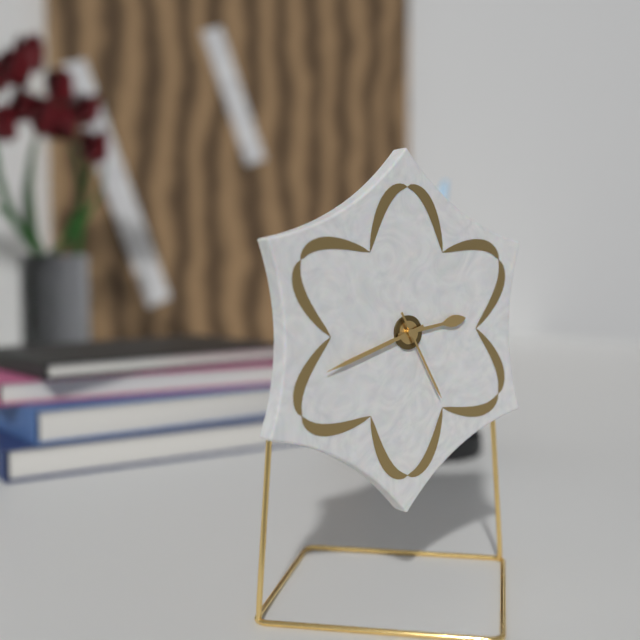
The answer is 2:42:25
